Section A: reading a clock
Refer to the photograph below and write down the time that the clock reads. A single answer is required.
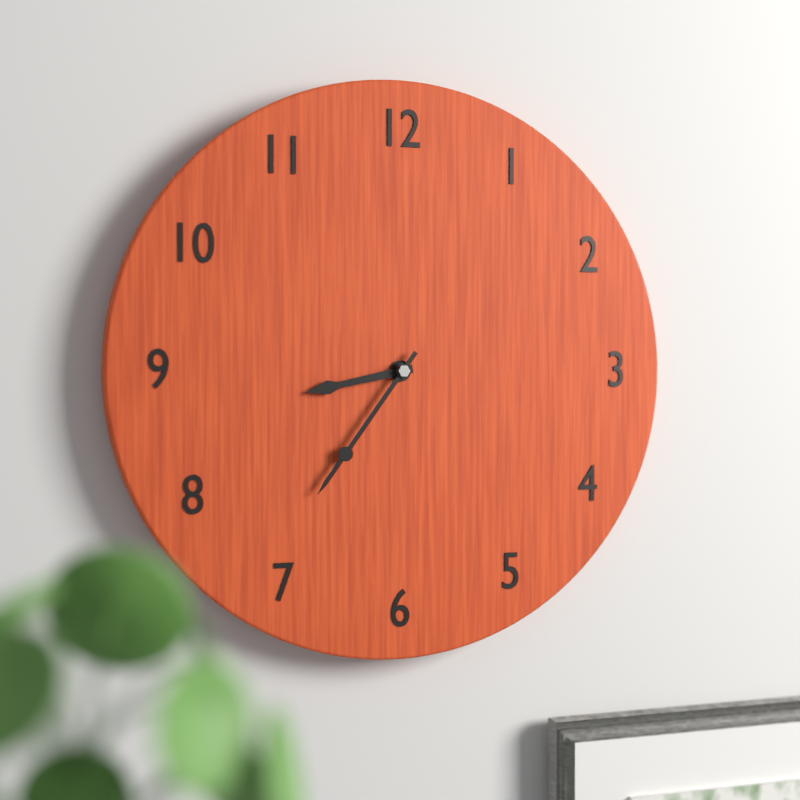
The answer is 8:36
